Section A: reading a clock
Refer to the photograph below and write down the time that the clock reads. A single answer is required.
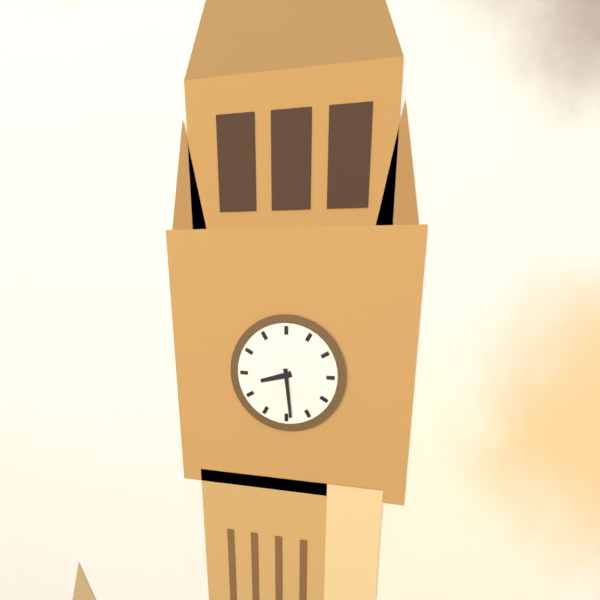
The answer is 8:29
